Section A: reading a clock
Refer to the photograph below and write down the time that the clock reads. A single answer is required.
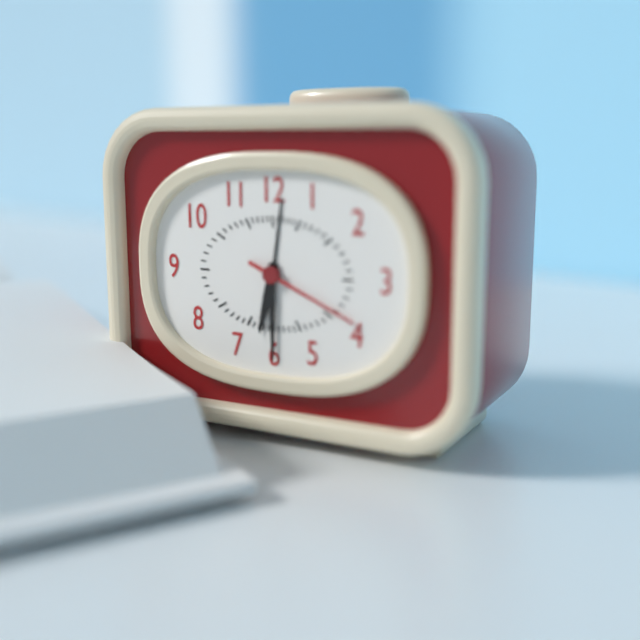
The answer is 6:30:19
